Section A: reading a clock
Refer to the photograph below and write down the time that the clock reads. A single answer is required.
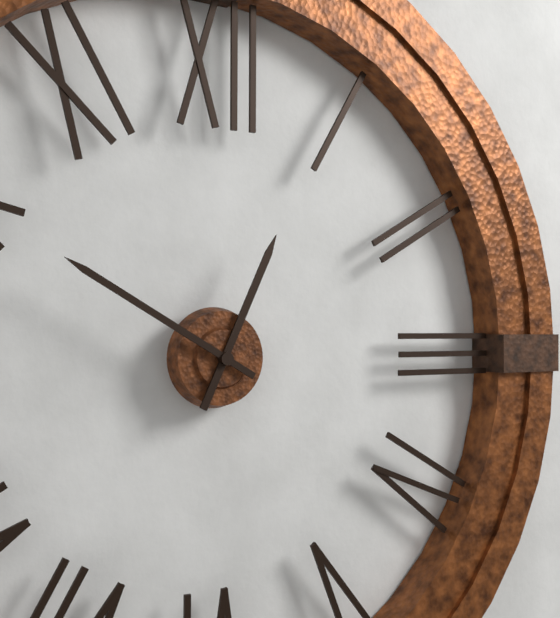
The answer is 12:50
